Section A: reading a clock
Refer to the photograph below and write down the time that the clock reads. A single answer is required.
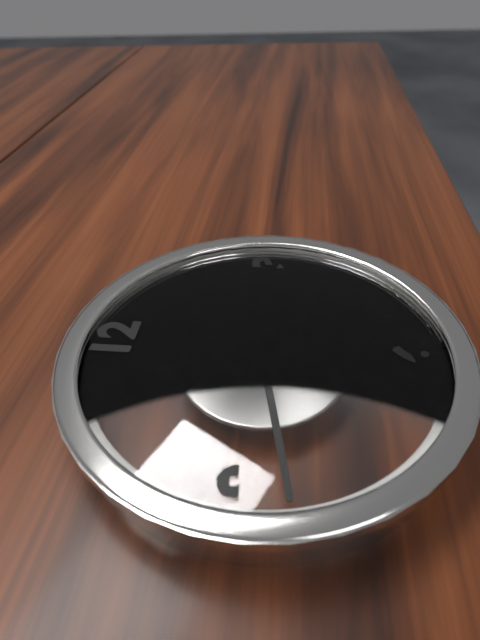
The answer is 3:43
